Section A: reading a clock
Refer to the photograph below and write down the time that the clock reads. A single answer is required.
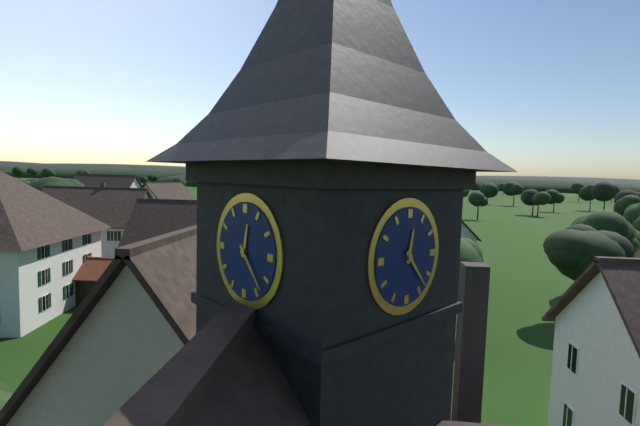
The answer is 12:23
